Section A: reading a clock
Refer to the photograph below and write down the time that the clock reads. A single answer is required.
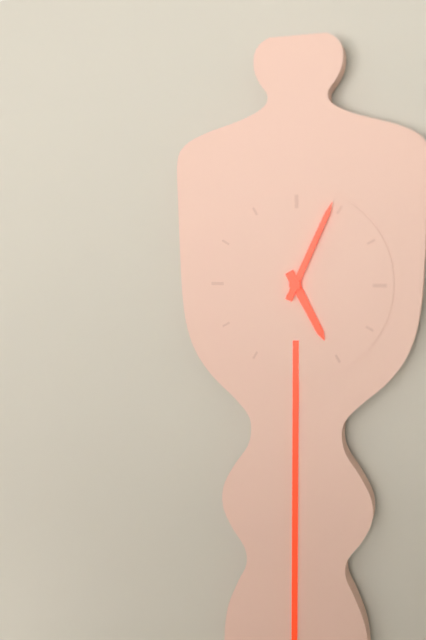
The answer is 5:04
